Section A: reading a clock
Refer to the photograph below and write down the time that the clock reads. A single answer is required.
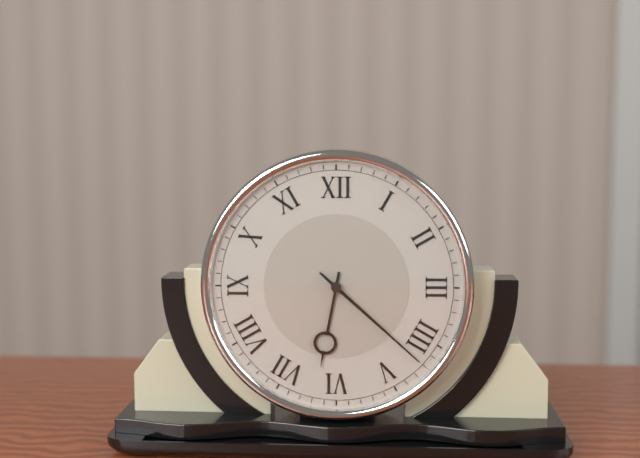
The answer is 6:22
